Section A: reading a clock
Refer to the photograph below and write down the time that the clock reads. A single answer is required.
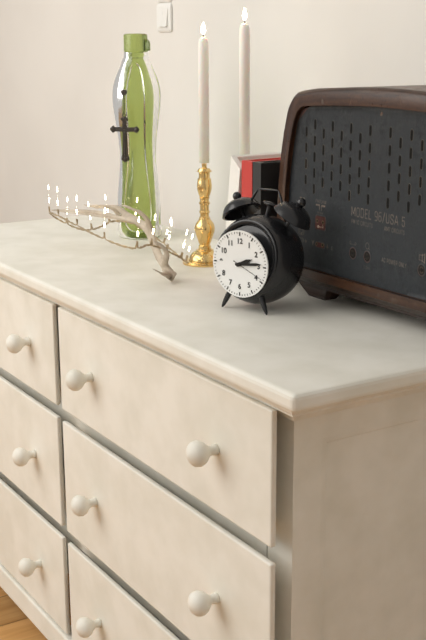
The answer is 2:14
